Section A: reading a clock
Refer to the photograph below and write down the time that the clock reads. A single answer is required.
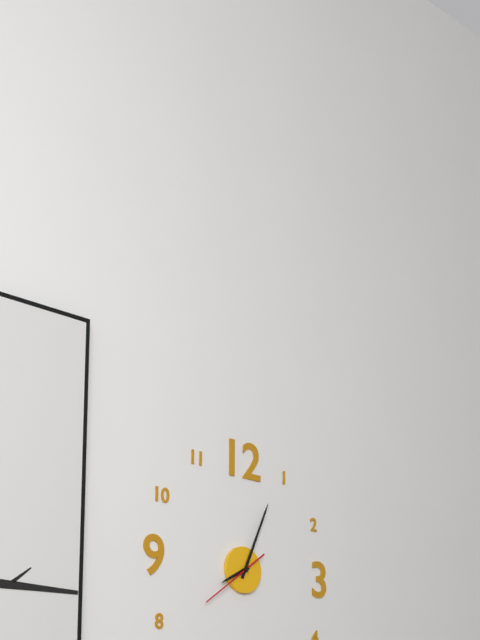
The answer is 8:04:39
